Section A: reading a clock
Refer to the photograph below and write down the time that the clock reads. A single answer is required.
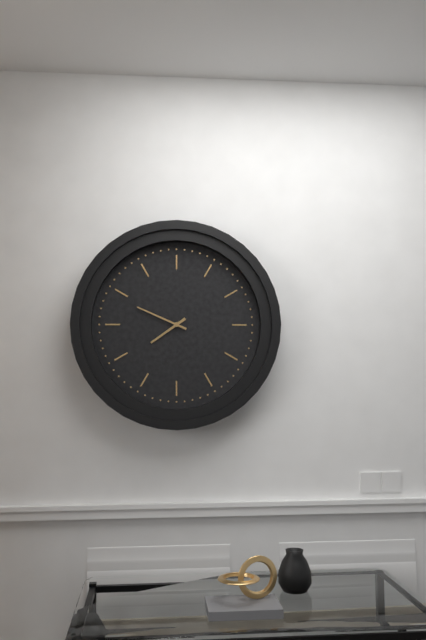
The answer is 7:49
